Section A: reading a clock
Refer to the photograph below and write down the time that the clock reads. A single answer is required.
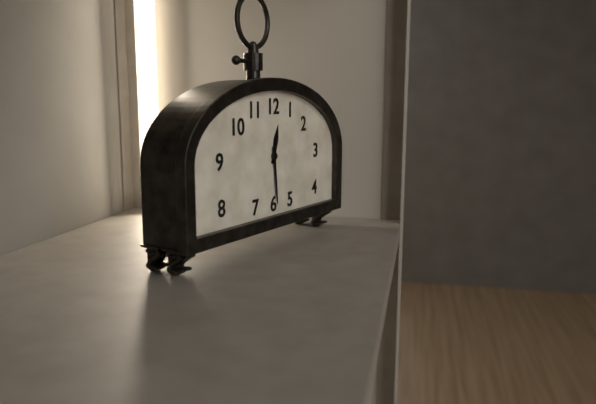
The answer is 12:29
